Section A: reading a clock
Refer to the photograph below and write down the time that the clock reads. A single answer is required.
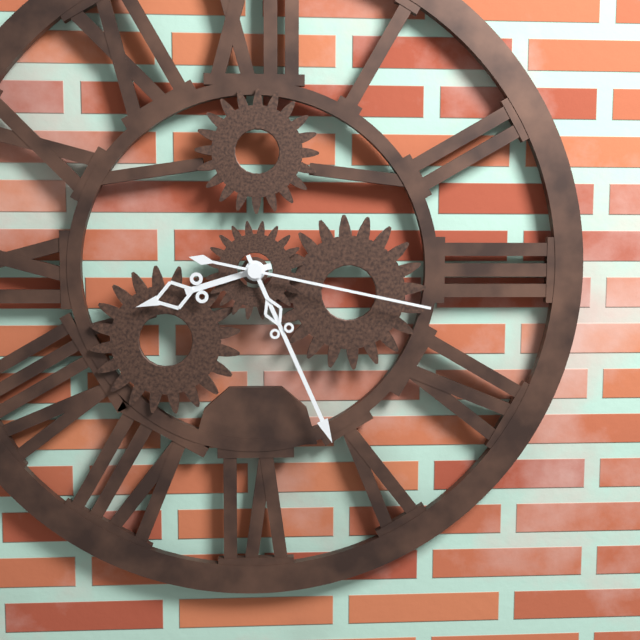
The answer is 8:26:17
